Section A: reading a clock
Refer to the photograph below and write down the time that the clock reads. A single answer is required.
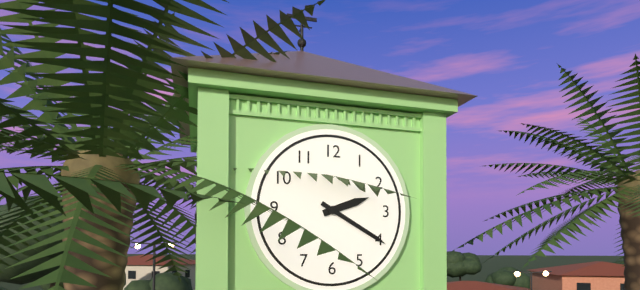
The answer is 2:20
